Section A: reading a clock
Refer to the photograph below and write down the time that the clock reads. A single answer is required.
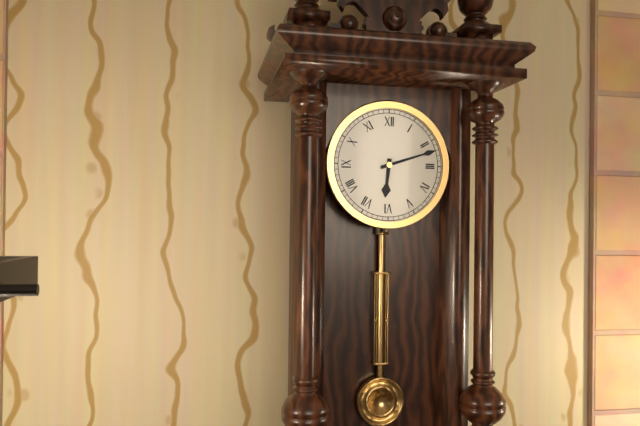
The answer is 6:12
